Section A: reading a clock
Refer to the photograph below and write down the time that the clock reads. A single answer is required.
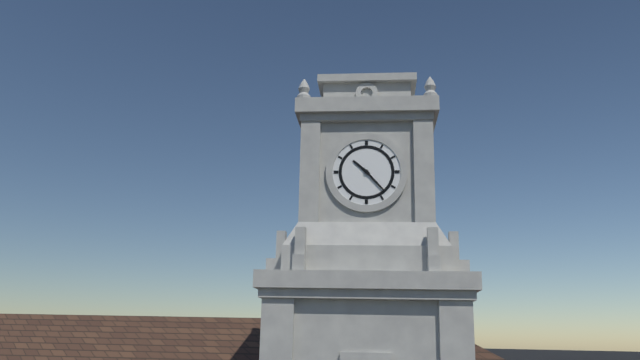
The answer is 10:23
